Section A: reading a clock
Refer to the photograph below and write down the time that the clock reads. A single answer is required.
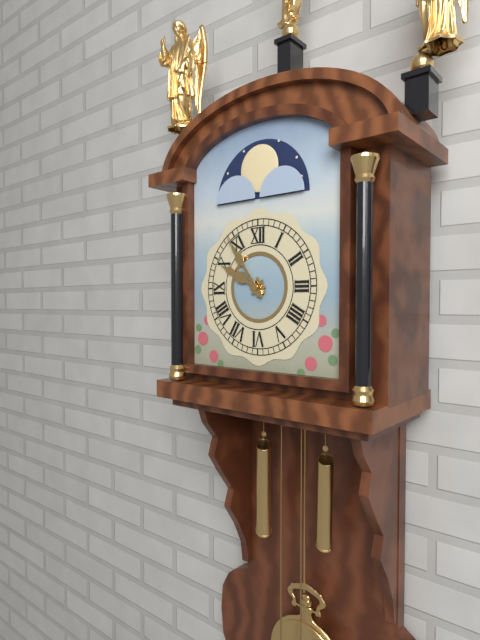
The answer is 9:54
